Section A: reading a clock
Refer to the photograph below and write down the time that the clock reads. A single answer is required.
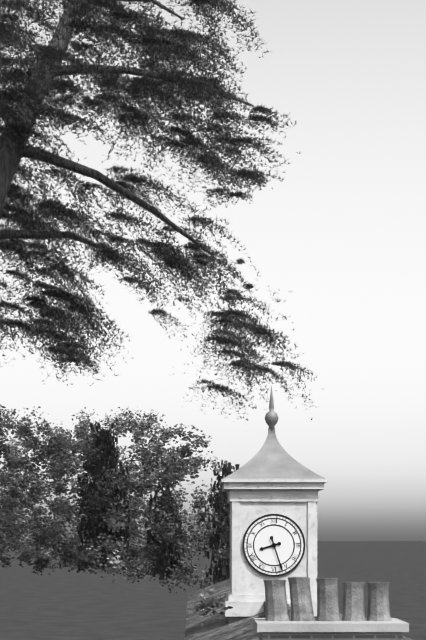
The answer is 8:27
